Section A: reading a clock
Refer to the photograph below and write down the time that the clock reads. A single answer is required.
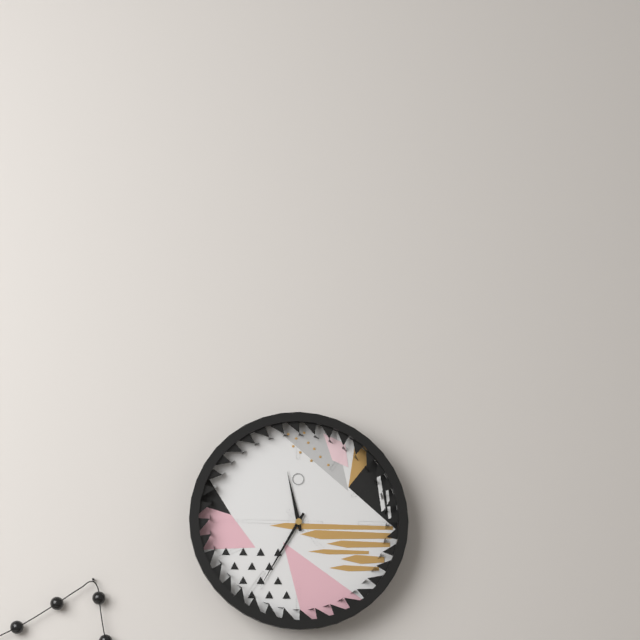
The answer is 11:35
